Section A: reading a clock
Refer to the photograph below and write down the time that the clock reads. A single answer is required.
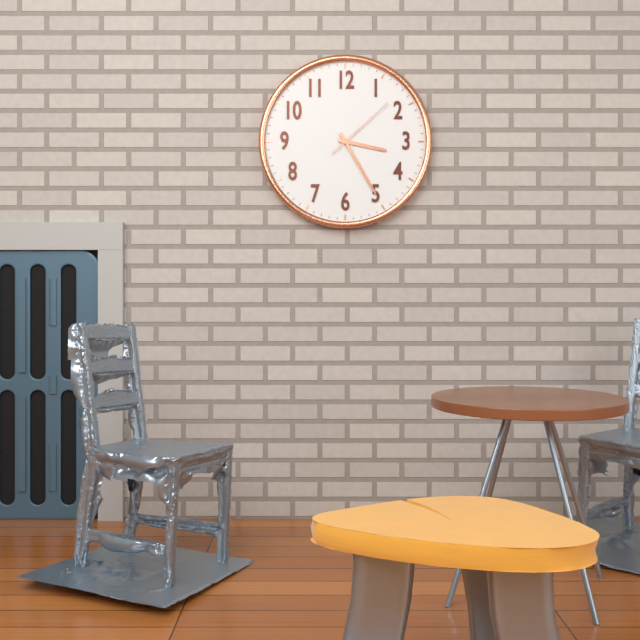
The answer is 3:25:08
